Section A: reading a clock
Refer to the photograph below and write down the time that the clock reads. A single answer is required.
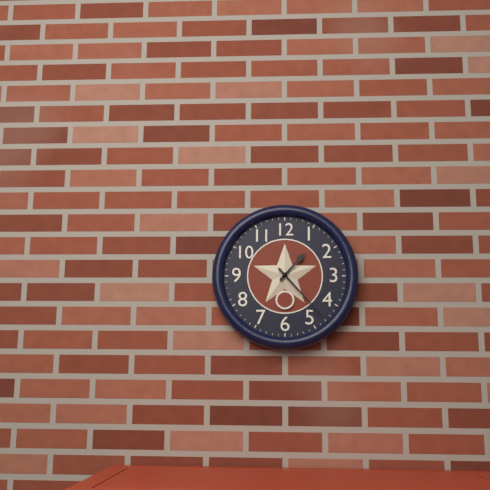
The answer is 1:23
